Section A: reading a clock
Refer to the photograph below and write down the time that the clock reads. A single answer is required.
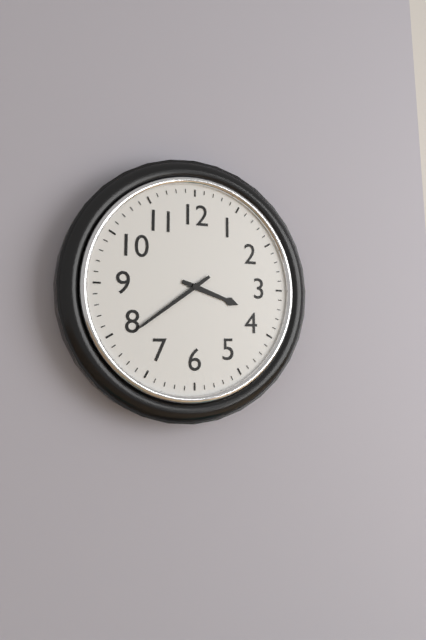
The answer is 3:39
